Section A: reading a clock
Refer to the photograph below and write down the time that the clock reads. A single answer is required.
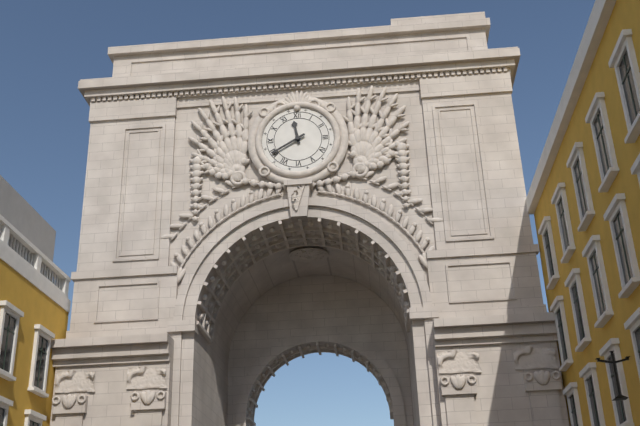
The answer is 11:40
